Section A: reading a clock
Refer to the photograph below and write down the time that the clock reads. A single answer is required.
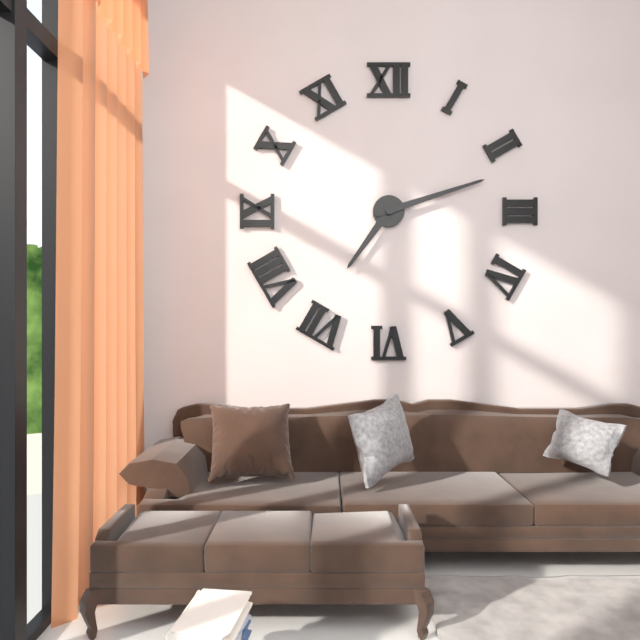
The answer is 7:12
